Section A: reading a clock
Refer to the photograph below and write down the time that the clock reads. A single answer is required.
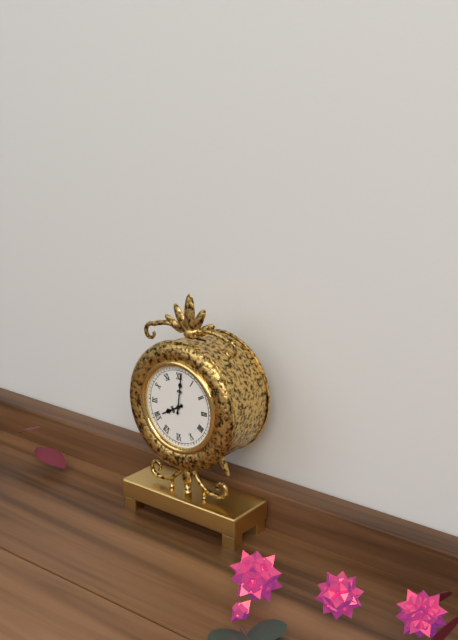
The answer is 8:01
